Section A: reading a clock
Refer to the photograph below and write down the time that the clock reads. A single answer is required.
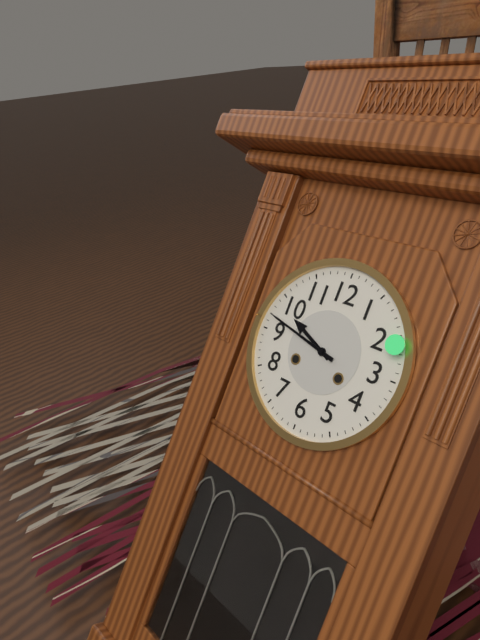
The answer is 9:47
